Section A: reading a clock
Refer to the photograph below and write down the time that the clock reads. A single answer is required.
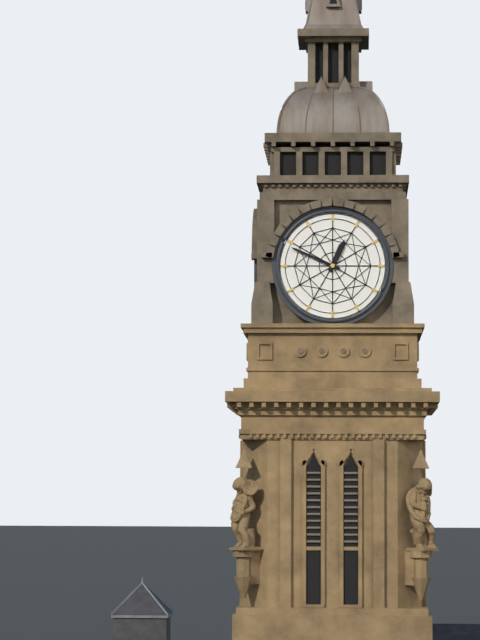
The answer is 12:49
